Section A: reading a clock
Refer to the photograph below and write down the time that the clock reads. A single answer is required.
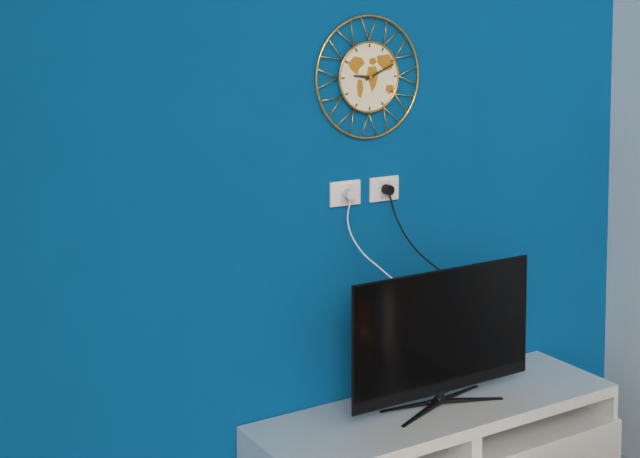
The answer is 9:11
